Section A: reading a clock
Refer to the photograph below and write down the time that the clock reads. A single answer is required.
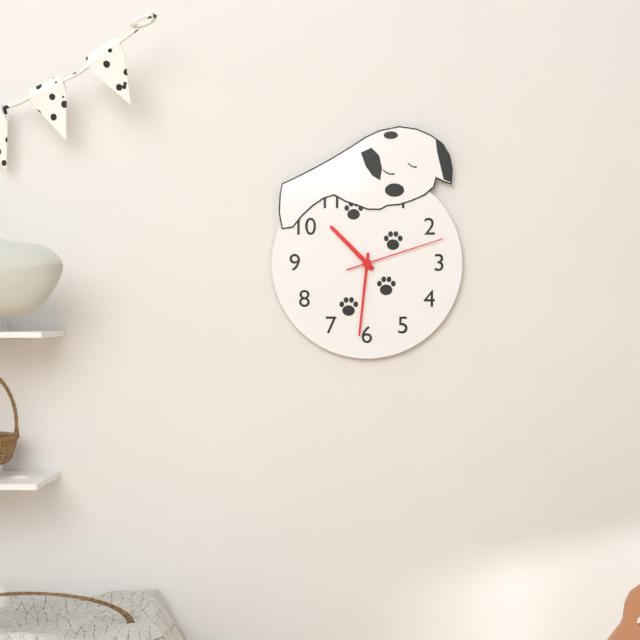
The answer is 10:31:12
